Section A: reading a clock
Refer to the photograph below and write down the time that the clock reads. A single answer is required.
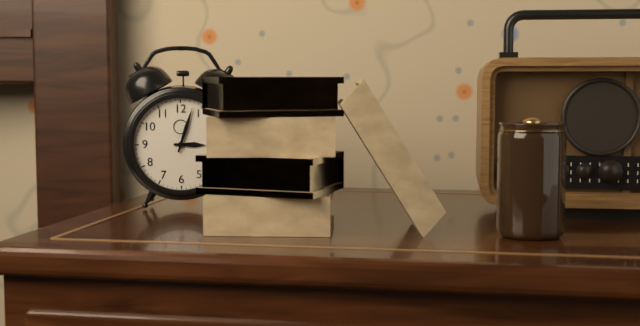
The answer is 3:03
